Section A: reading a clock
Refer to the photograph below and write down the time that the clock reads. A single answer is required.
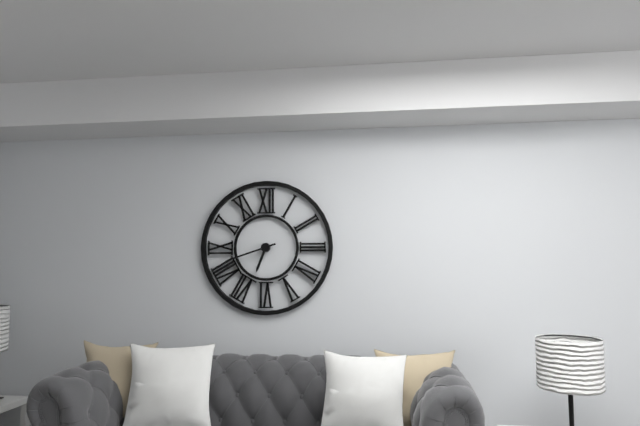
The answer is 6:42
